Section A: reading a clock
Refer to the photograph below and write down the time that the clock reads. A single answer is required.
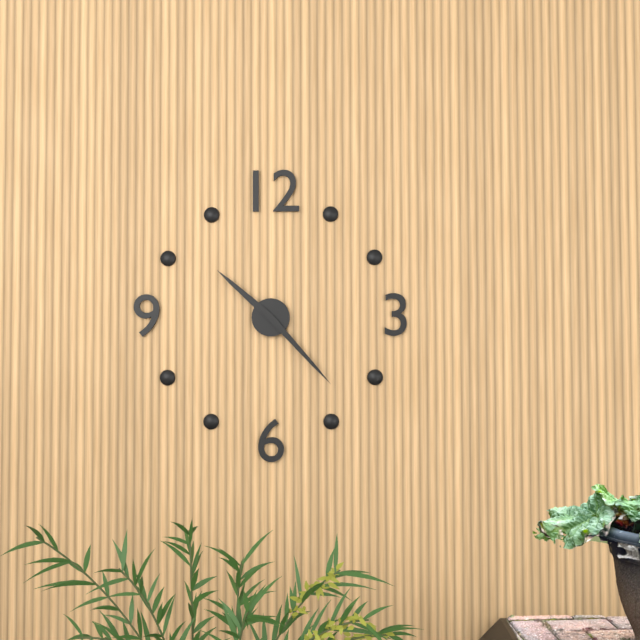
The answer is 10:23
